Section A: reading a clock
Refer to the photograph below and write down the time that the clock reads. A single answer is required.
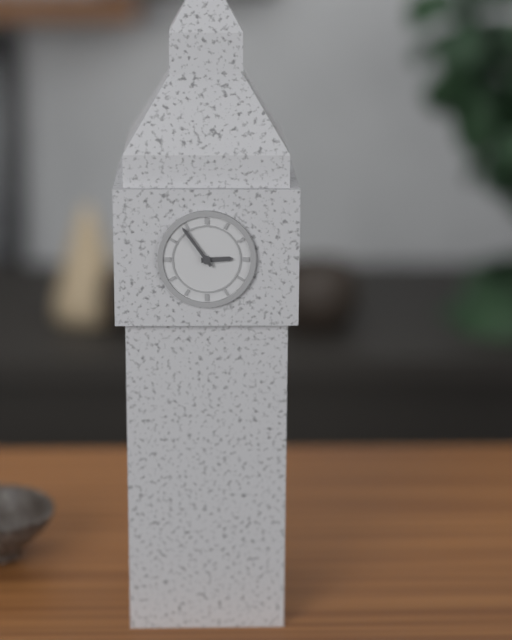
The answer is 2:54
